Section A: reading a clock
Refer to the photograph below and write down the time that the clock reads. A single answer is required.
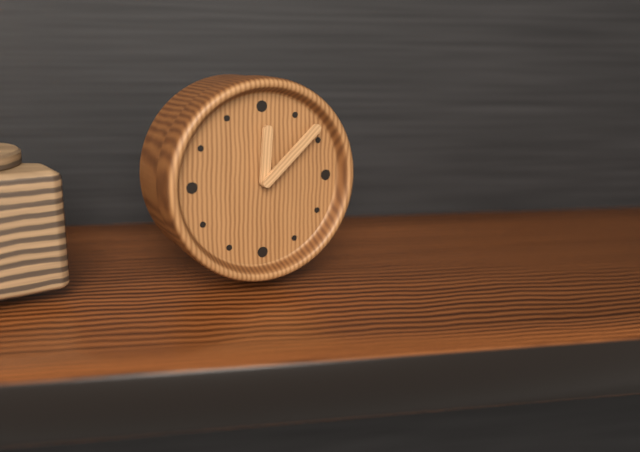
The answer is 12:08
